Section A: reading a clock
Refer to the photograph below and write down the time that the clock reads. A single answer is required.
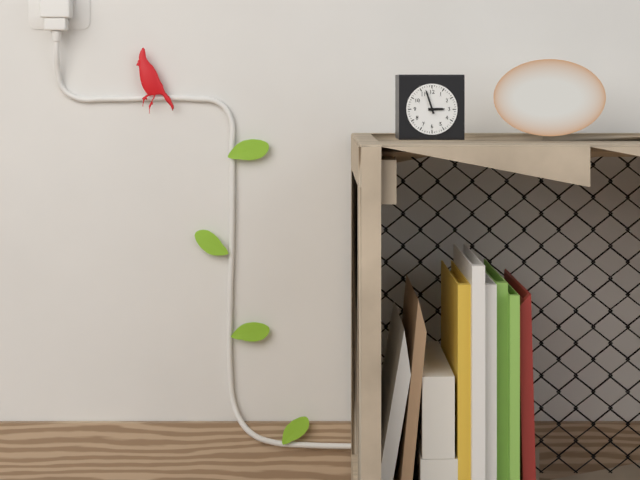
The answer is 2:57
